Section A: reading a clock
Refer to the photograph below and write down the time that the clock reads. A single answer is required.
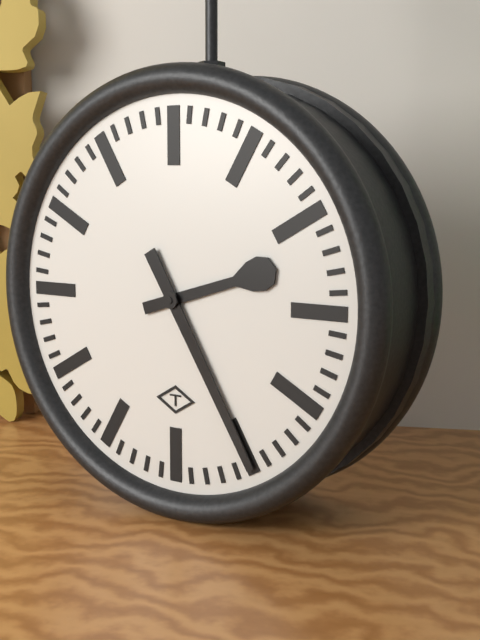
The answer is 2:25
